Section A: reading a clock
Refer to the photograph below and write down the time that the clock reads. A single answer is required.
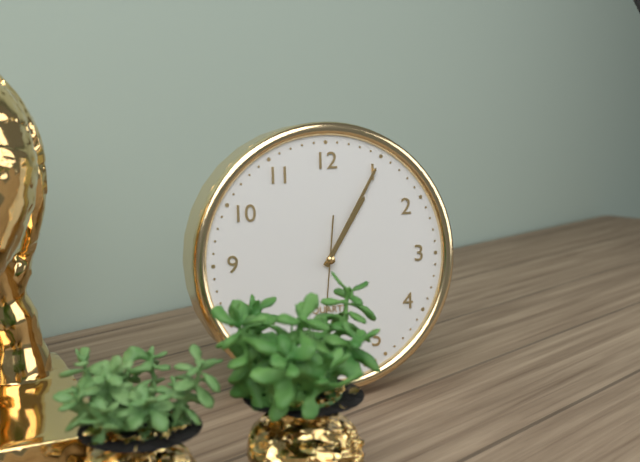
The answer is 1:05
